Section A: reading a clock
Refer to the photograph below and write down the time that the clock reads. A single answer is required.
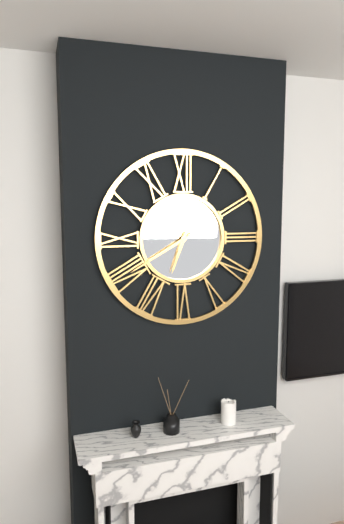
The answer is 6:40
